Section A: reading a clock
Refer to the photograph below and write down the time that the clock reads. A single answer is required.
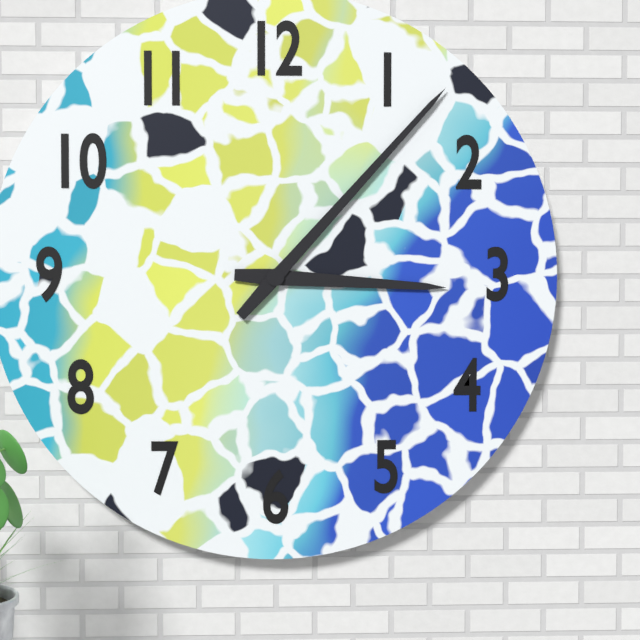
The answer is 3:07
